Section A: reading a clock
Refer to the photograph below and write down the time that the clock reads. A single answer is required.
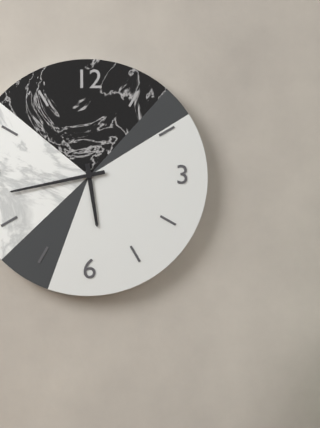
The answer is 5:43
